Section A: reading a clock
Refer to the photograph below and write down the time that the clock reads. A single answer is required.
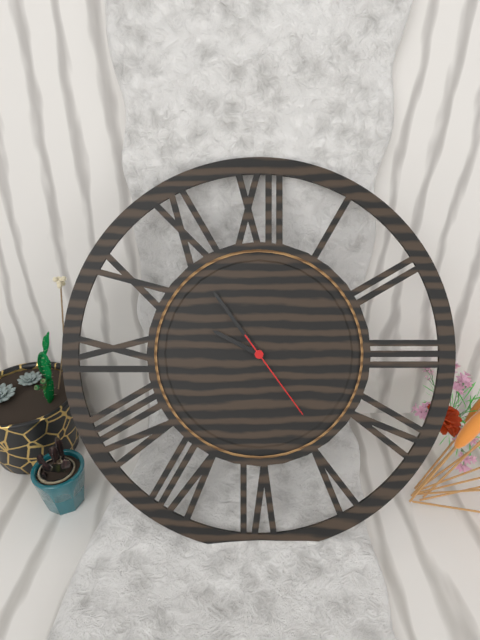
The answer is 9:54:24
